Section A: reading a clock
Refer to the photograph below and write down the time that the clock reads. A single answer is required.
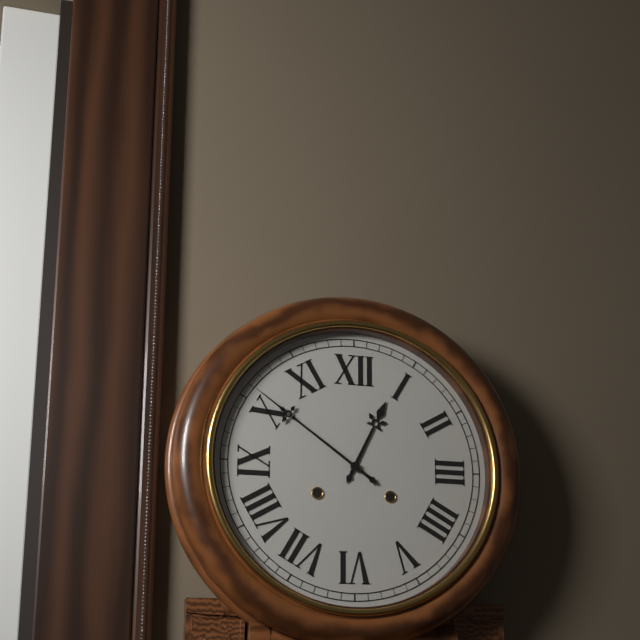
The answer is 12:51
